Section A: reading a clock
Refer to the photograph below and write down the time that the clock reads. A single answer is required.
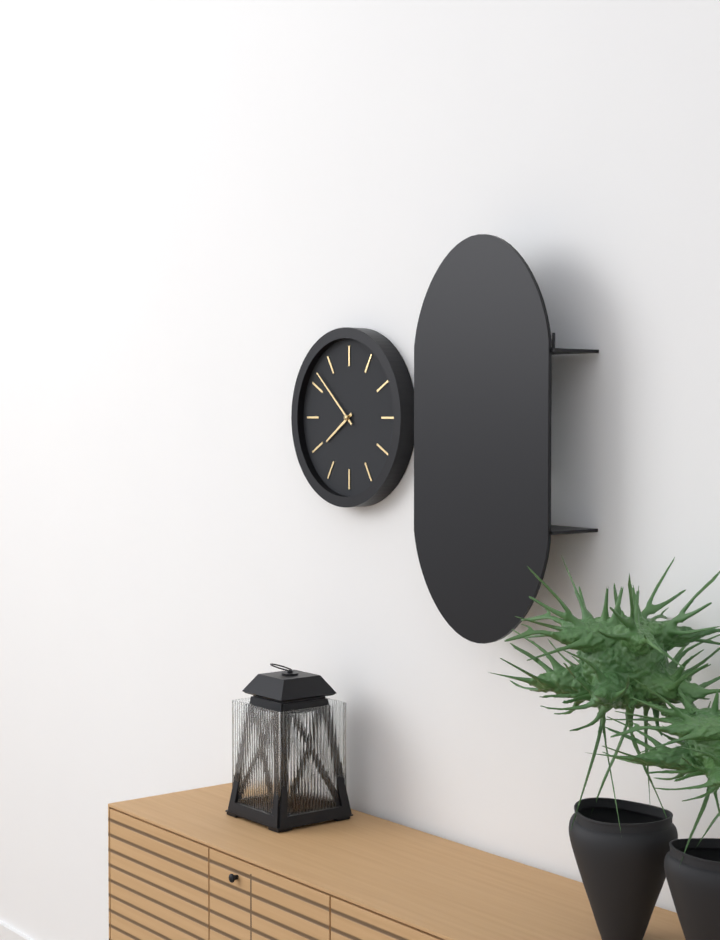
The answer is 7:52
